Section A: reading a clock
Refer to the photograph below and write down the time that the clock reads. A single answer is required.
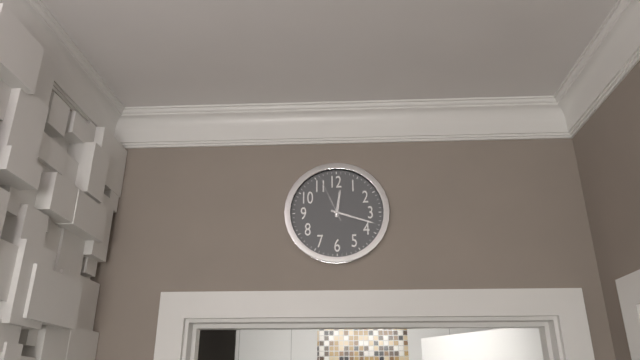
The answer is 12:18:56
